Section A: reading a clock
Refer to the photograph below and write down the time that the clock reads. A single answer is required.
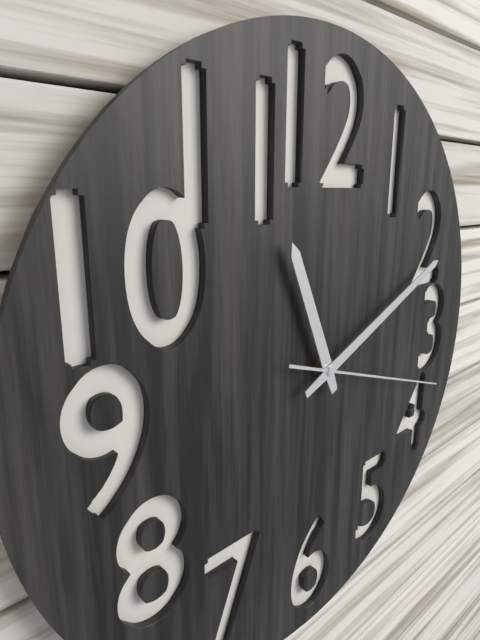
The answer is 11:11:18
